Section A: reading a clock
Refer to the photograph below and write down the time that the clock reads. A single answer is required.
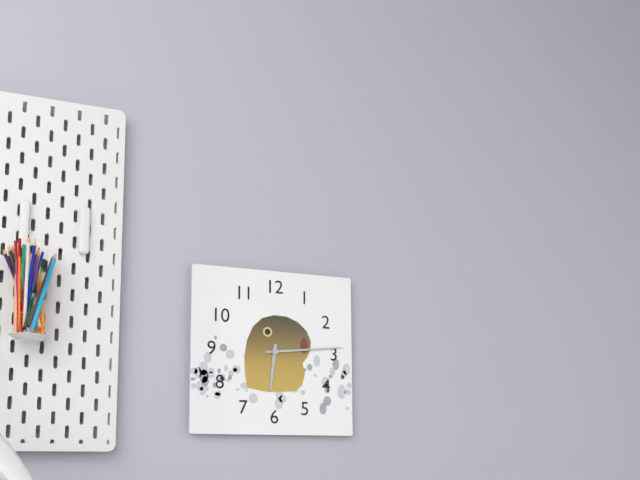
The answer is 6:14
